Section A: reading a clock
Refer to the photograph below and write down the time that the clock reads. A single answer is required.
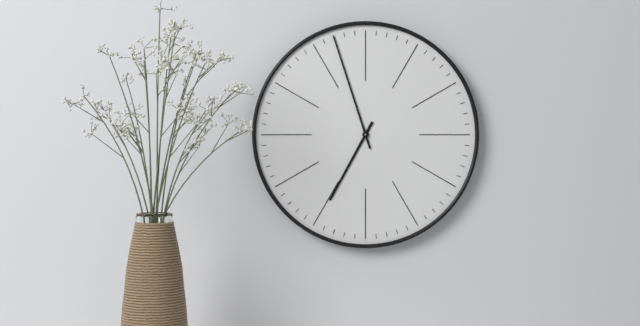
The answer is 6:57
